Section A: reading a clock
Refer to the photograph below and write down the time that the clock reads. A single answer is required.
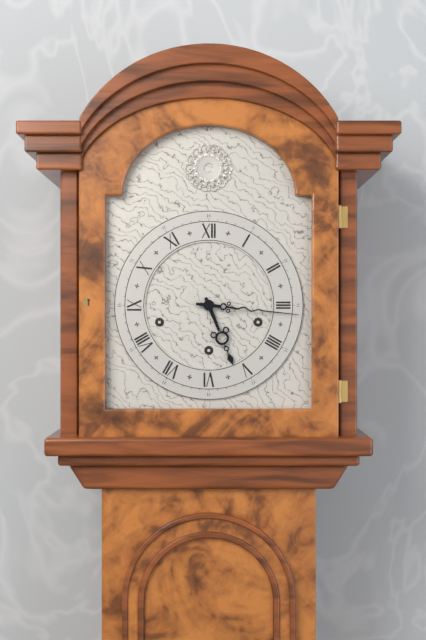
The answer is 5:16
